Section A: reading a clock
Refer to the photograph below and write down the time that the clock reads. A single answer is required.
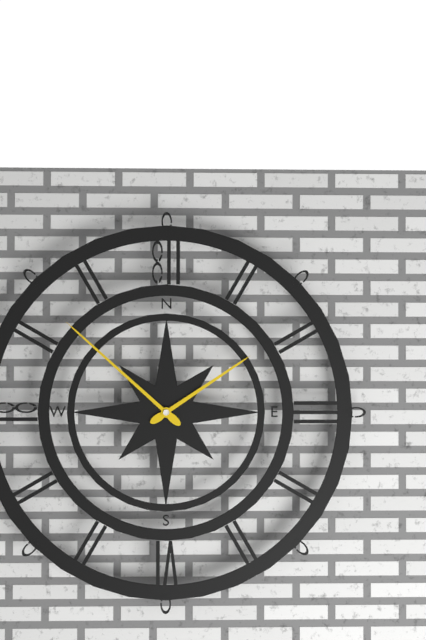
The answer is 1:52
